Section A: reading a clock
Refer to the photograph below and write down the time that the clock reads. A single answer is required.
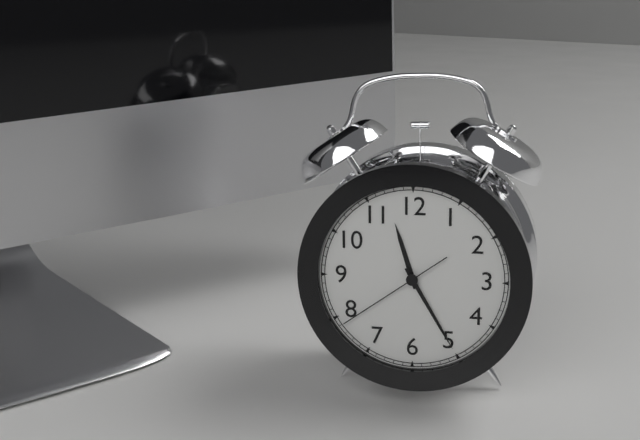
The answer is 11:25:39
